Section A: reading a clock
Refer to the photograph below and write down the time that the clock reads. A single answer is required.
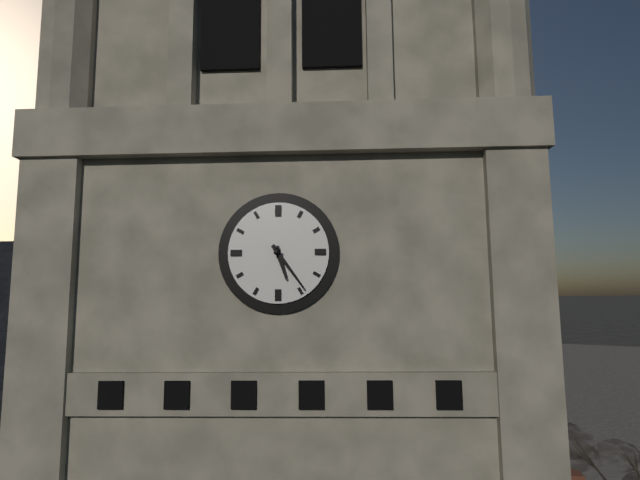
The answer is 5:24
